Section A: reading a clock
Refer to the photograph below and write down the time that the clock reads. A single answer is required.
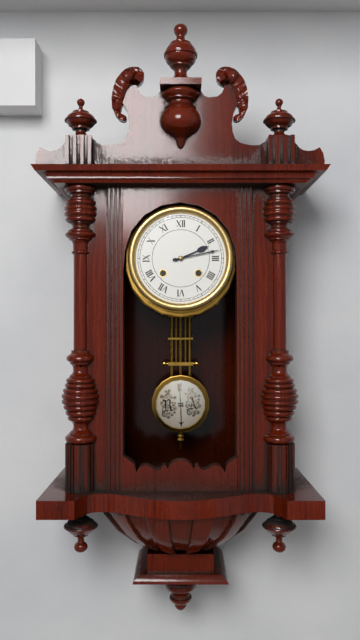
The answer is 2:13
